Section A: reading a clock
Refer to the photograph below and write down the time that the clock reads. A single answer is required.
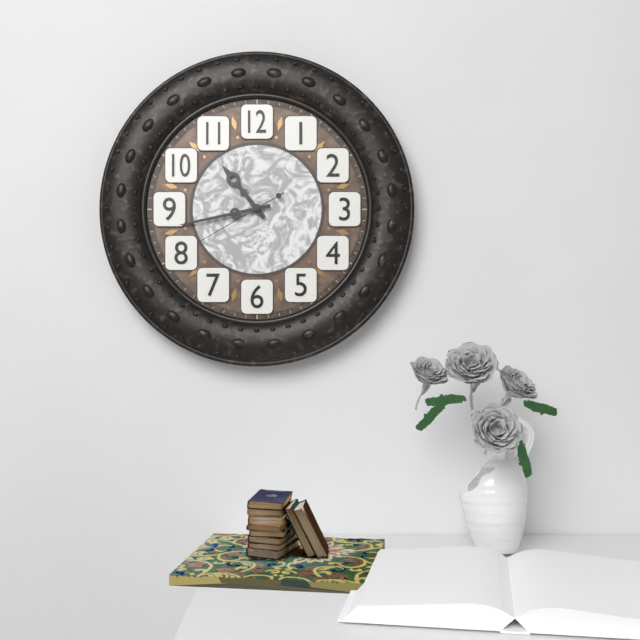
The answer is 10:43:40
